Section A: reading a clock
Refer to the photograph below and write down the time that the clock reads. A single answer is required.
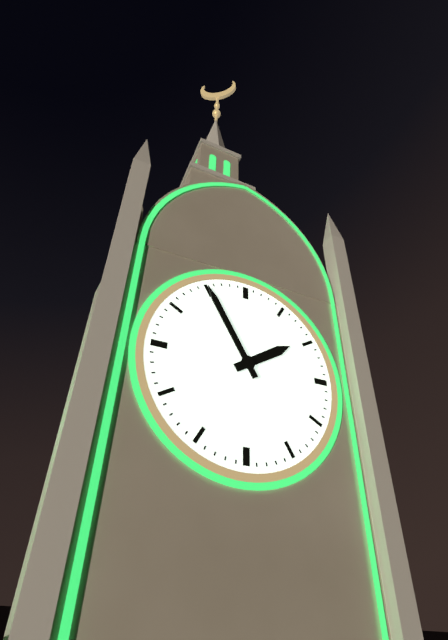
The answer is 1:55
